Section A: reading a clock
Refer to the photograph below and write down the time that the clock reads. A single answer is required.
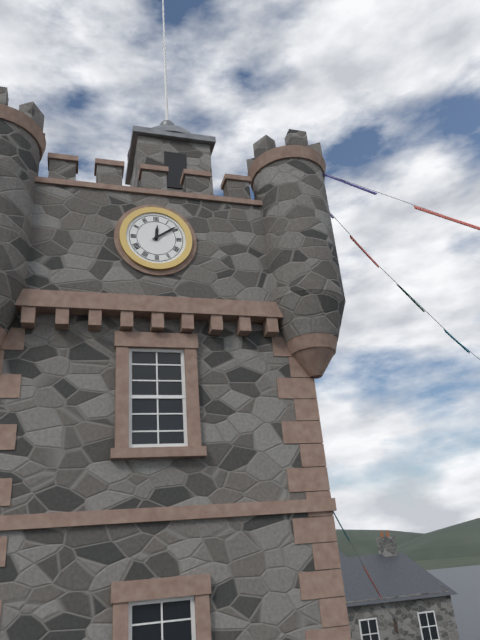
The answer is 12:09
